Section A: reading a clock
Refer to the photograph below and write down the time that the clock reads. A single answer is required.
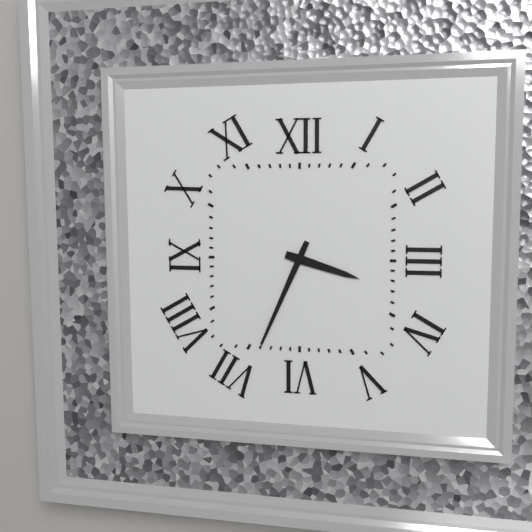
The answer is 3:34
